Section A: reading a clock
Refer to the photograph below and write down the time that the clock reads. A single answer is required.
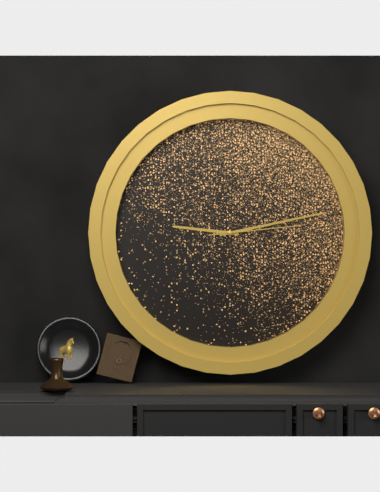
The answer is 9:13:14
